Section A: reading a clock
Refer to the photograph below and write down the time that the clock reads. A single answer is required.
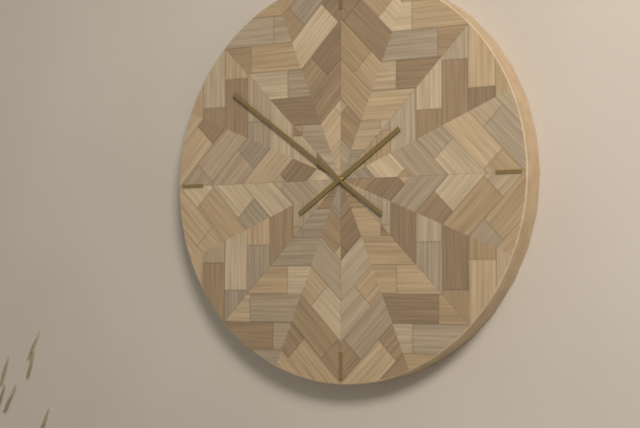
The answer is 1:51
